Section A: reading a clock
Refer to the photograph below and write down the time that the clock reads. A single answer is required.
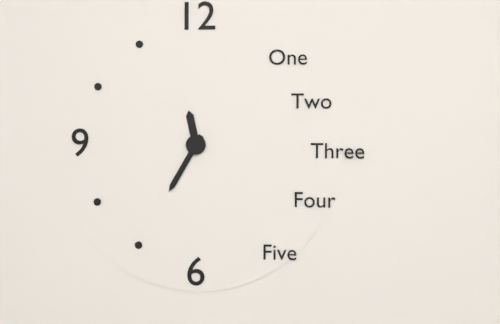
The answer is 11:35
